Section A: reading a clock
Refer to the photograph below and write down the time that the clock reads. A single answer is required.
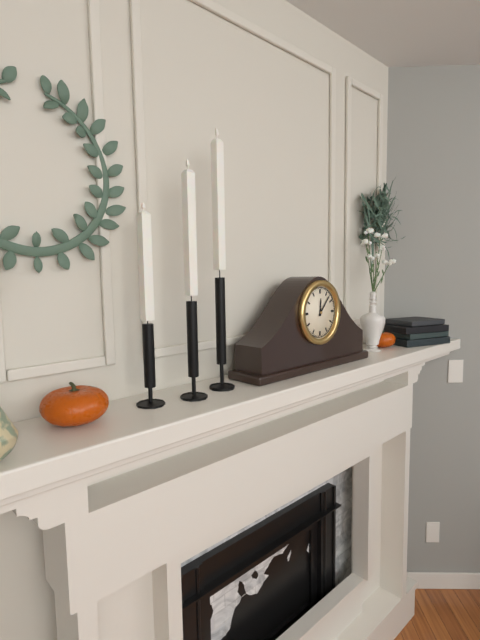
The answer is 12:07
